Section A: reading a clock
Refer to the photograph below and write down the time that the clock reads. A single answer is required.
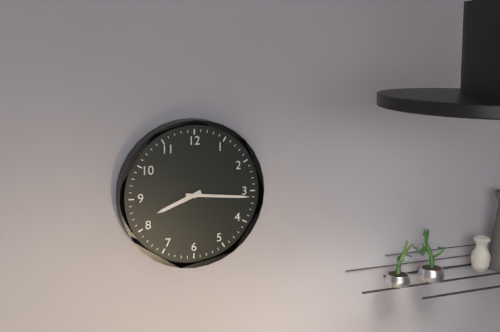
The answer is 8:16
